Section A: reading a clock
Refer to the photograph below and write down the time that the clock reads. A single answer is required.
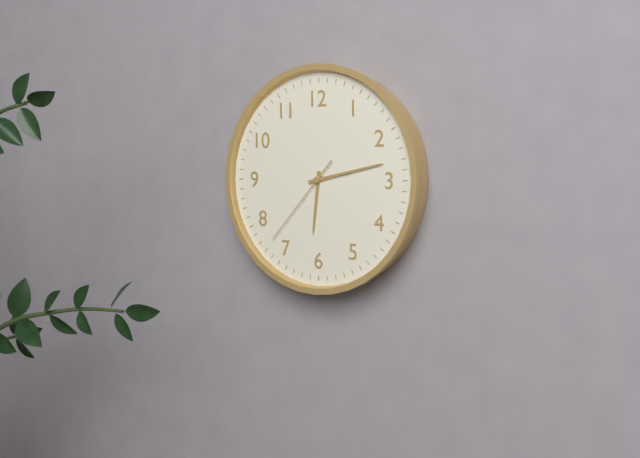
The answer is 6:13:37
